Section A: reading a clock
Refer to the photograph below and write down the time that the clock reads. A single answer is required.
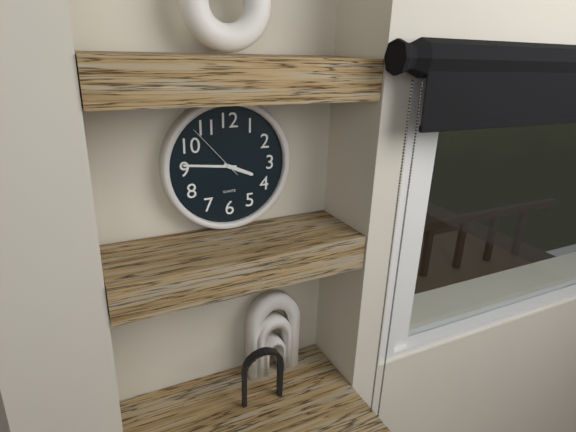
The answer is 3:46:53
